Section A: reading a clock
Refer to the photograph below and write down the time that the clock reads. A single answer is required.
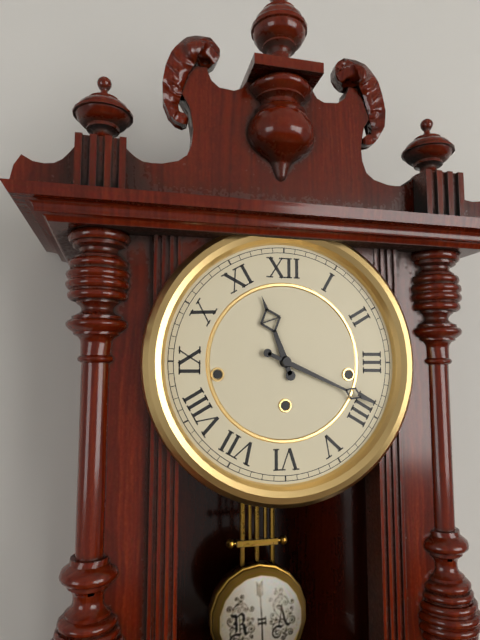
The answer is 11:19
